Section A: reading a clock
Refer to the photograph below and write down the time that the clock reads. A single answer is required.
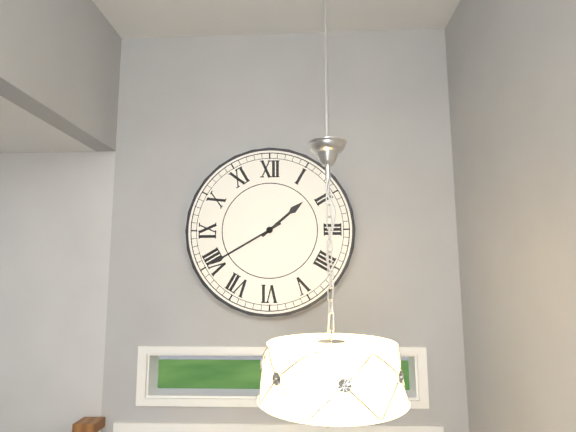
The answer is 1:40
